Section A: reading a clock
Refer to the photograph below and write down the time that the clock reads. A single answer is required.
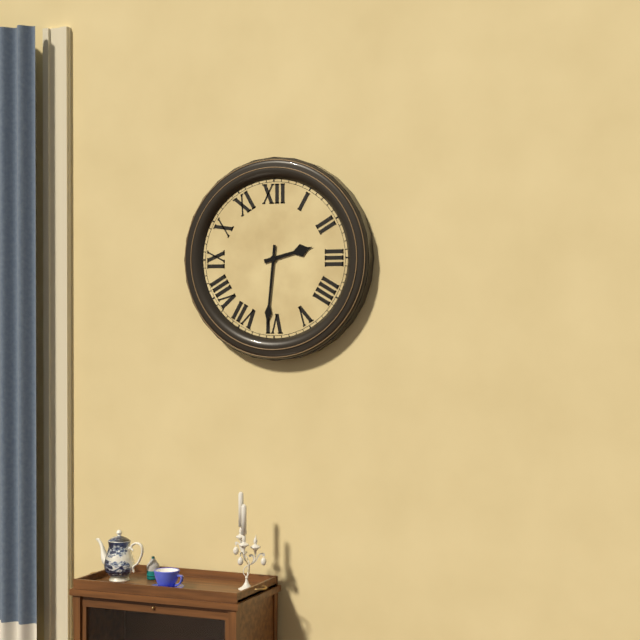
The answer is 2:31
